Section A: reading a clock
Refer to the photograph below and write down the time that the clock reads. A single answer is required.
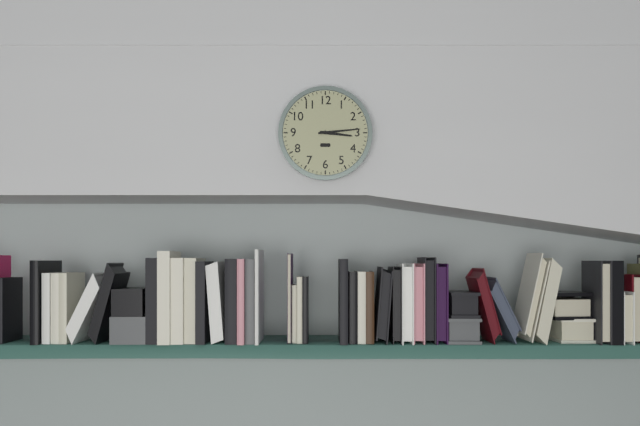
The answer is 3:14
